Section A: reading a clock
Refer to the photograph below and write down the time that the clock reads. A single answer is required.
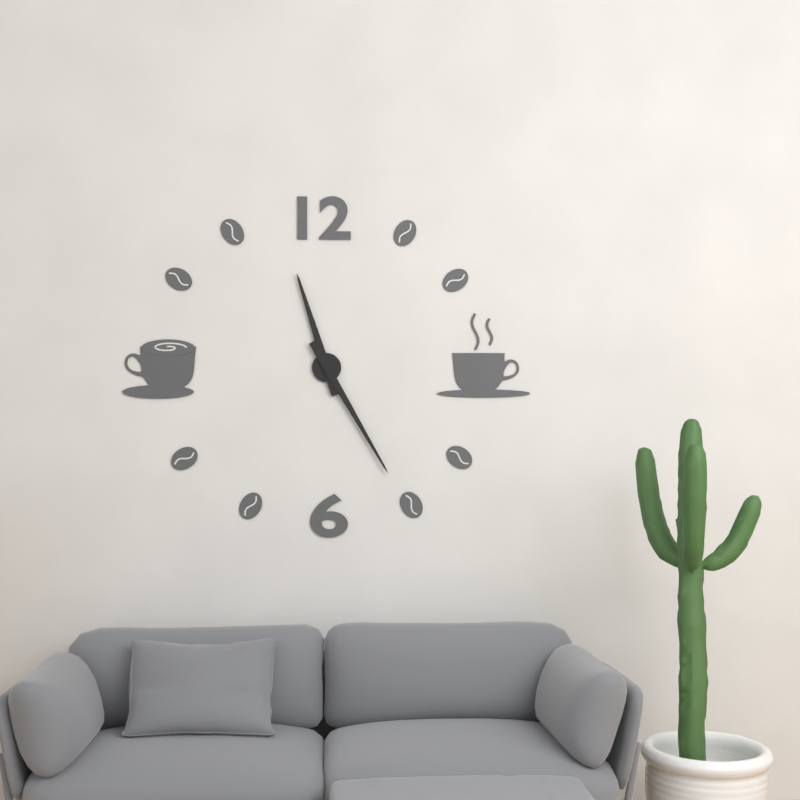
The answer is 11:25
